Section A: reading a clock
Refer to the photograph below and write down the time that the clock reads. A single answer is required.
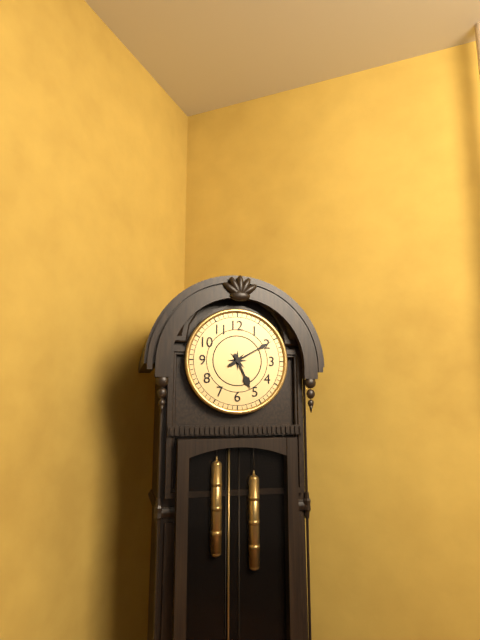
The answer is 5:10
